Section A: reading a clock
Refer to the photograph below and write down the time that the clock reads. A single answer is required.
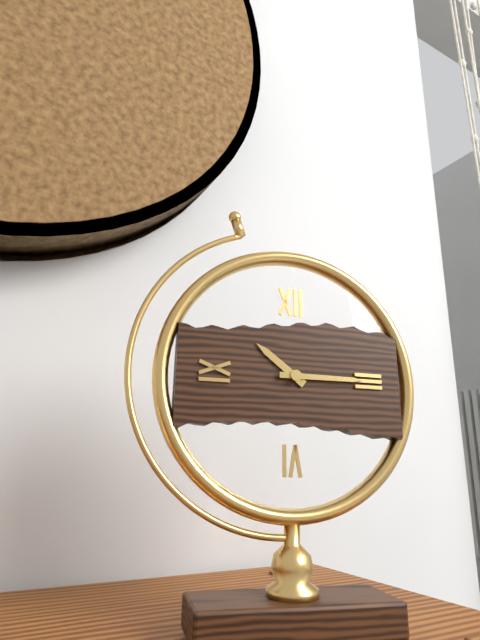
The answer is 10:15
